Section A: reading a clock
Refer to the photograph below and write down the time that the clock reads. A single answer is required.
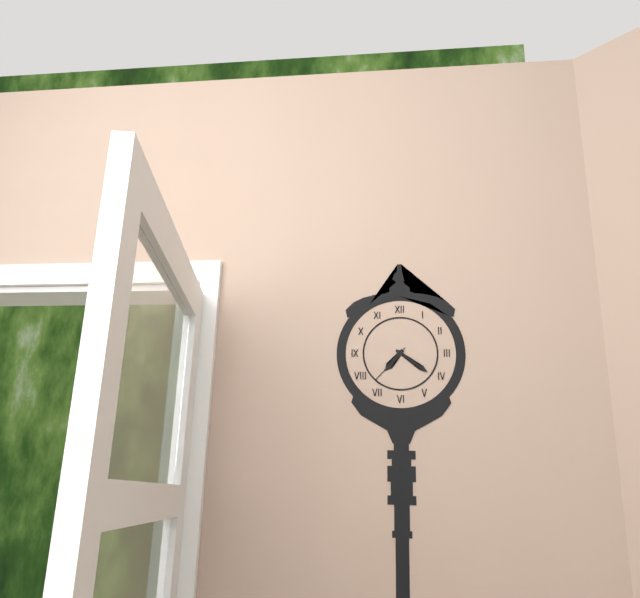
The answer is 7:21
